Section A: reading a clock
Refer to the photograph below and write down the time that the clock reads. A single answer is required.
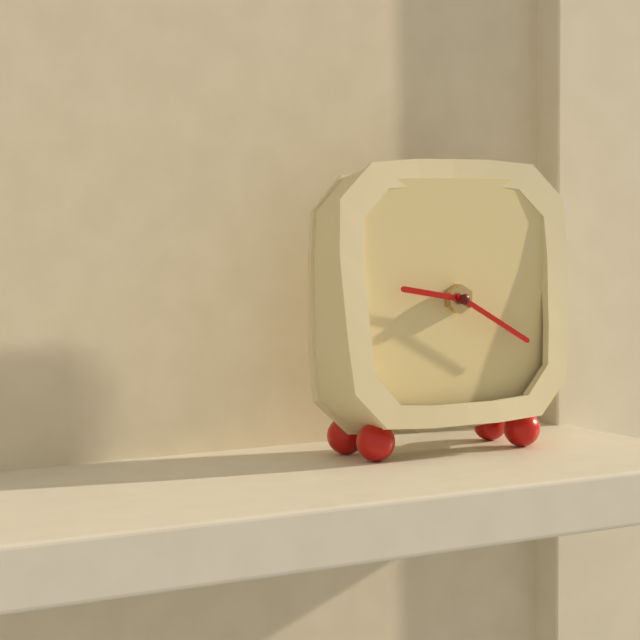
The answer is 9:20
